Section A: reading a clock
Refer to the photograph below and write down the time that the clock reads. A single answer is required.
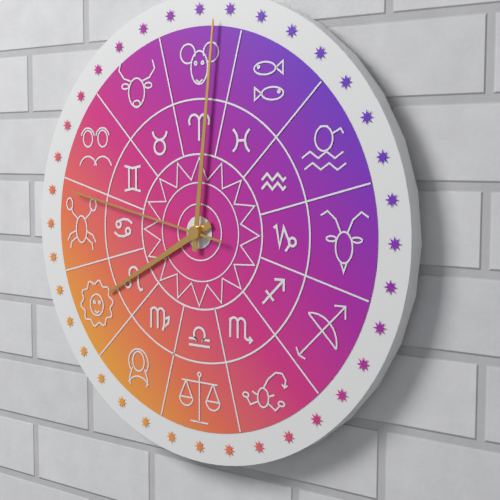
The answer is 8:01:47
